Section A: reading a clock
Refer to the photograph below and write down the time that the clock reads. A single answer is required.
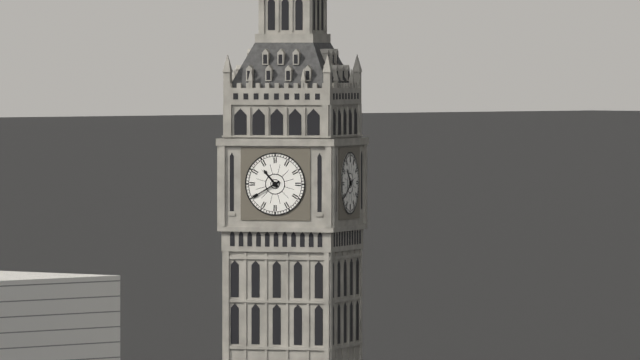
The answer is 10:40
